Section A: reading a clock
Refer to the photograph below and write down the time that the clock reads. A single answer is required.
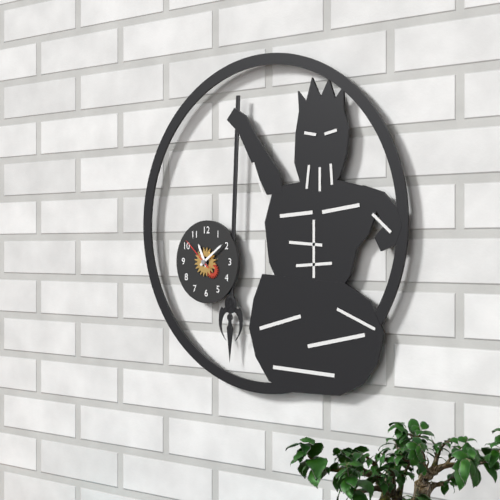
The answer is 11:09
